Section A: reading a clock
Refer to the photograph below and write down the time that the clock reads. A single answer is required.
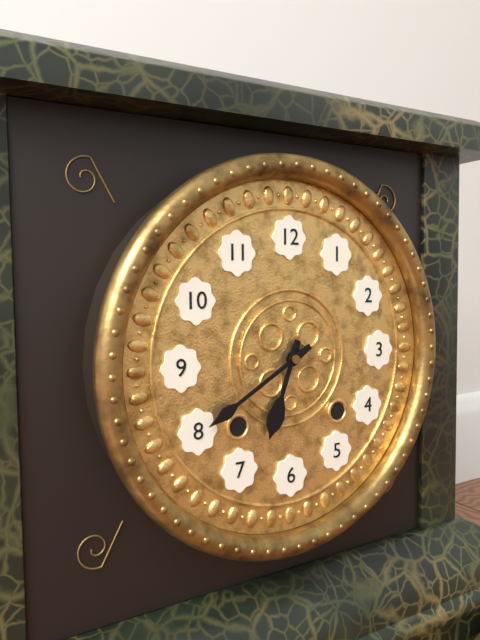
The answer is 6:40
